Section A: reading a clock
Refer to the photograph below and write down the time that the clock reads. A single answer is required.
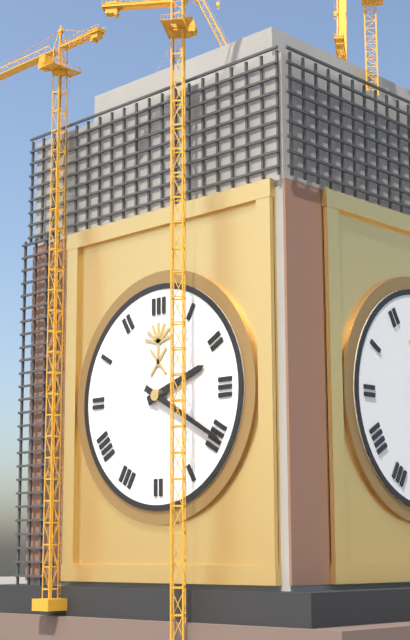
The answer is 2:20
